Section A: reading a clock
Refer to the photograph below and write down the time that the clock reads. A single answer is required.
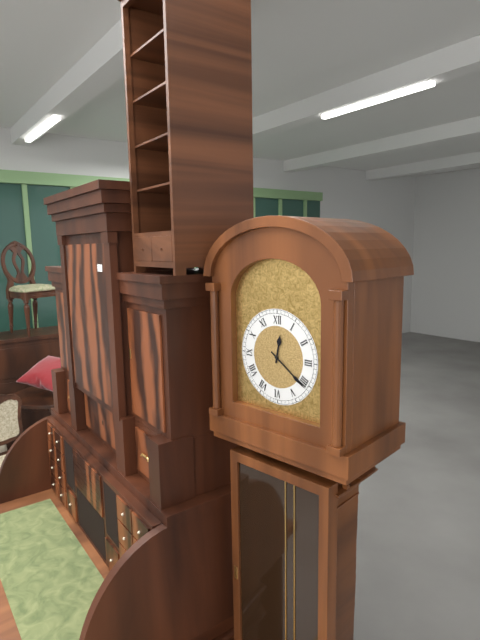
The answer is 12:21
